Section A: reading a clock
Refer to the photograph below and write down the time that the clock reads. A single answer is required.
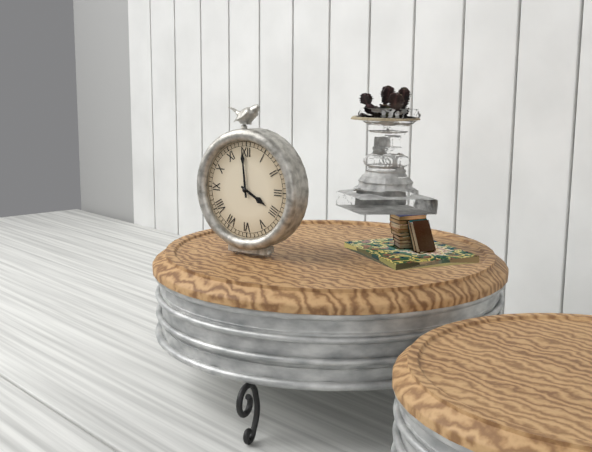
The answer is 3:59
